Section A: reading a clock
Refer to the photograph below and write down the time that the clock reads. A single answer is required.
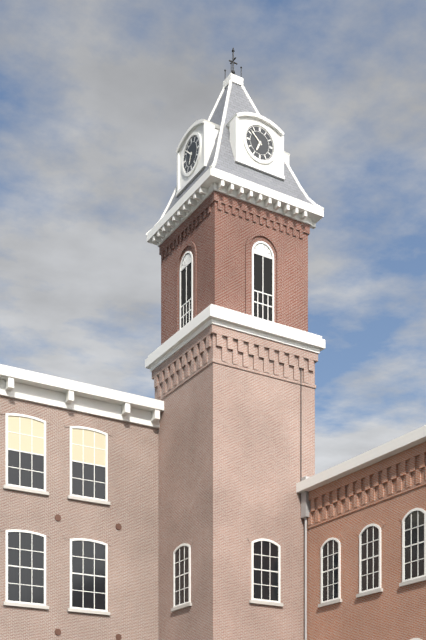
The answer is 6:52
